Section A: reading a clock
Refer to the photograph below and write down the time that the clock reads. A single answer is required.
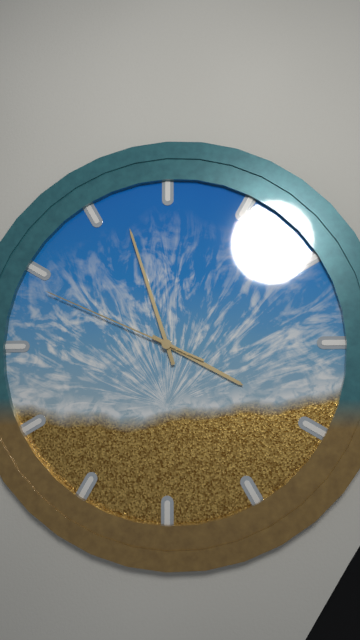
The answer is 3:57:49
